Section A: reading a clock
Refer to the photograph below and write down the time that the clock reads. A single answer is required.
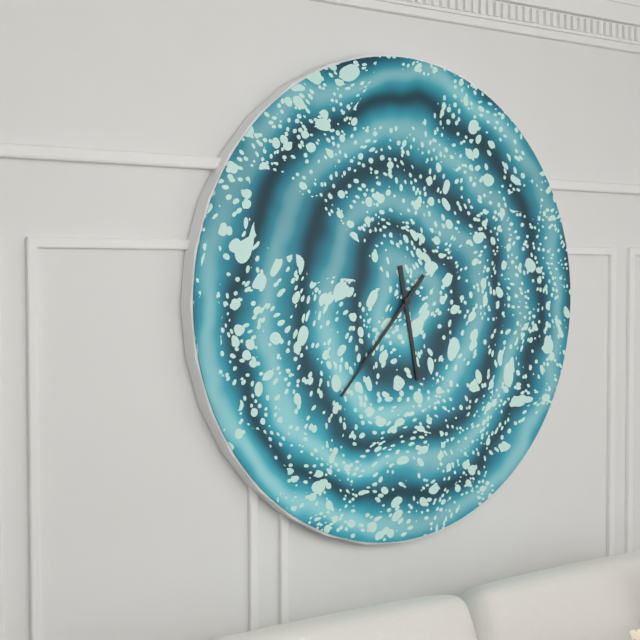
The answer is 5:37
